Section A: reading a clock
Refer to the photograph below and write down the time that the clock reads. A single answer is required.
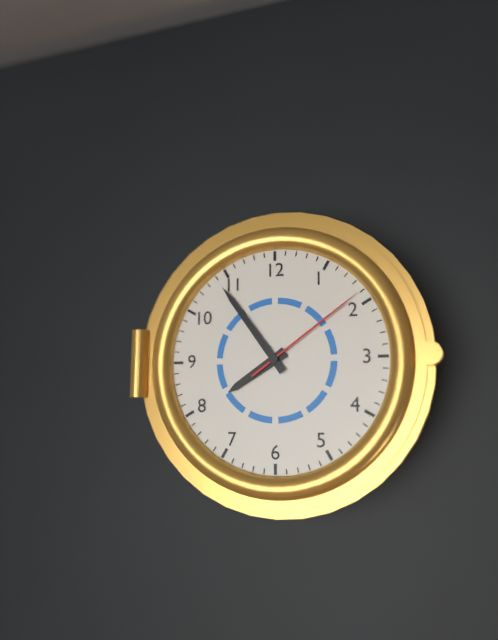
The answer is 7:54:09
